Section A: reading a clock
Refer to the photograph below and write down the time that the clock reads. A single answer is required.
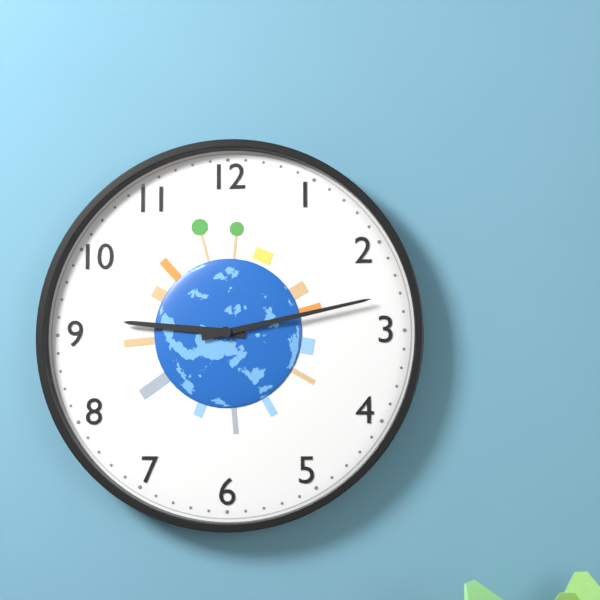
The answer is 9:13
